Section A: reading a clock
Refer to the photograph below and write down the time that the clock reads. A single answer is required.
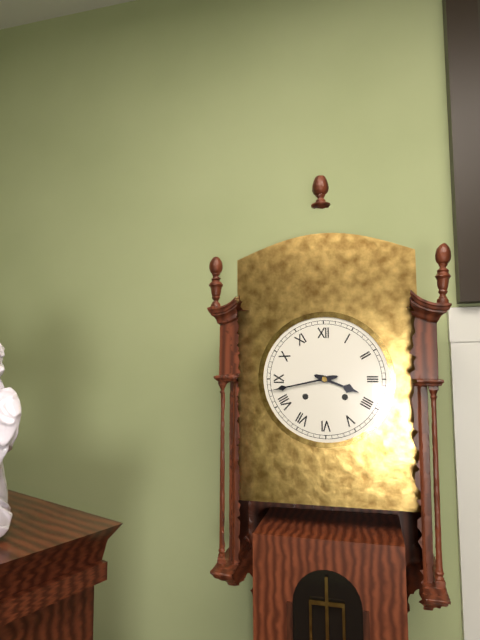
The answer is 3:43
